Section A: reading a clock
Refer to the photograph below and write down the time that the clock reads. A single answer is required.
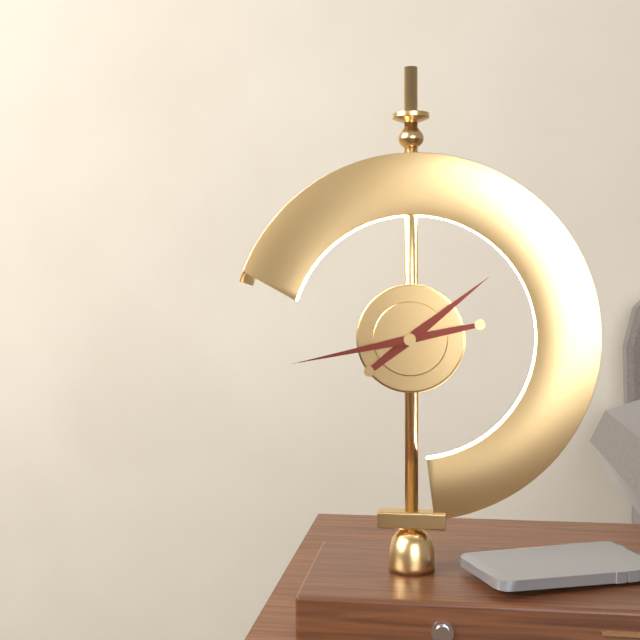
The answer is 1:43
